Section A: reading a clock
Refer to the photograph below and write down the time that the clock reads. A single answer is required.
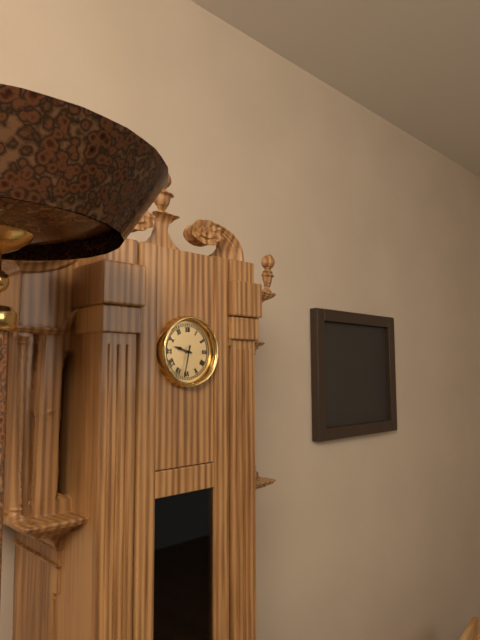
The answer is 9:32
